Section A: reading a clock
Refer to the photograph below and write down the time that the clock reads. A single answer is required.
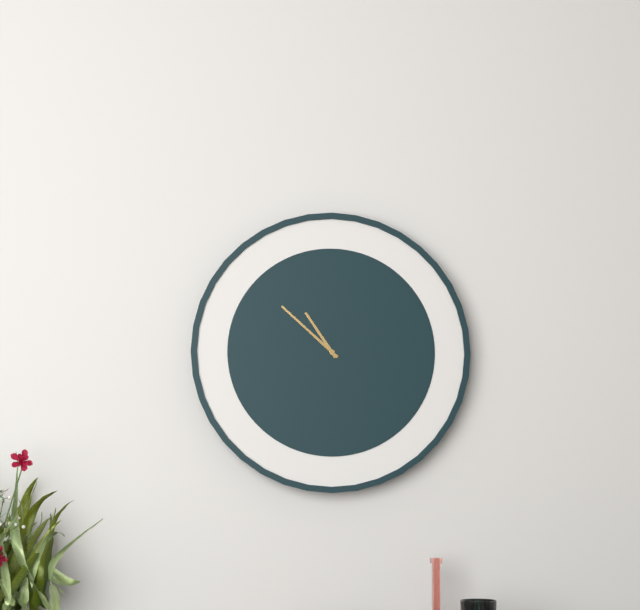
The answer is 10:52
